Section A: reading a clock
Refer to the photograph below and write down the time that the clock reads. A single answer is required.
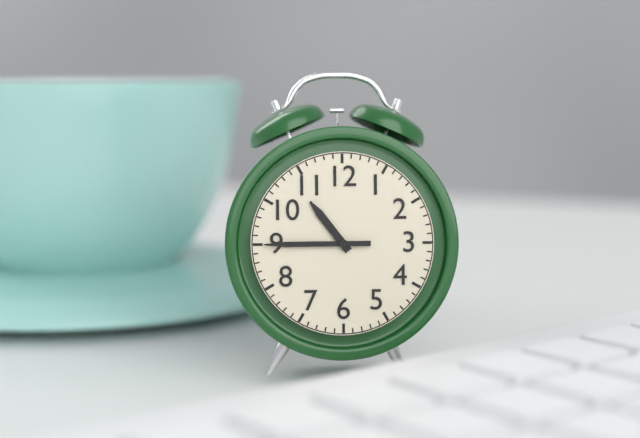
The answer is 10:45
